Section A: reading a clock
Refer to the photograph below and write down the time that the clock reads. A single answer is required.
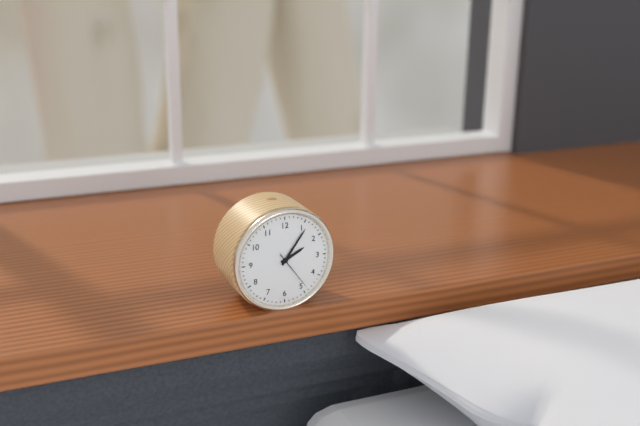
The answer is 2:06
